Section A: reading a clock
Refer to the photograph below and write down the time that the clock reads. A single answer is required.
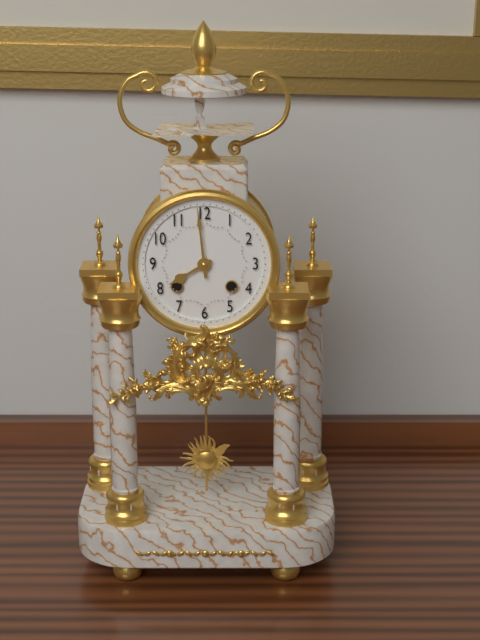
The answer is 7:59
